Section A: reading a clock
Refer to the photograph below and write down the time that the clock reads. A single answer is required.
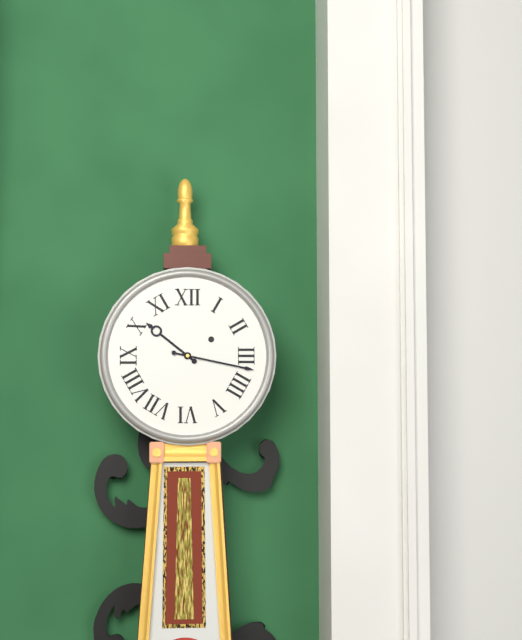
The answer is 10:17
